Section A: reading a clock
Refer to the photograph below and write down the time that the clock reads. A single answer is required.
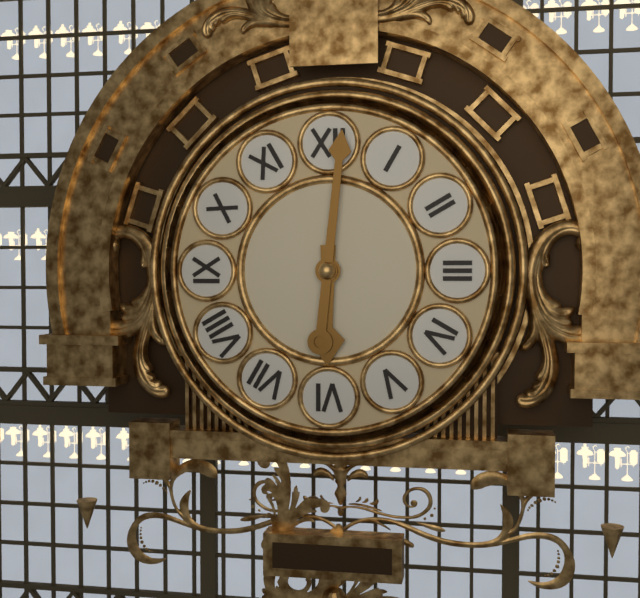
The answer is 6:01
